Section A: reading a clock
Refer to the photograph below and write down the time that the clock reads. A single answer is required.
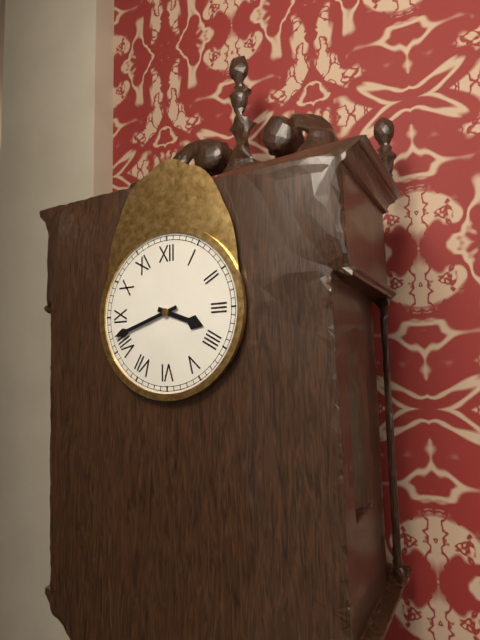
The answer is 3:42
